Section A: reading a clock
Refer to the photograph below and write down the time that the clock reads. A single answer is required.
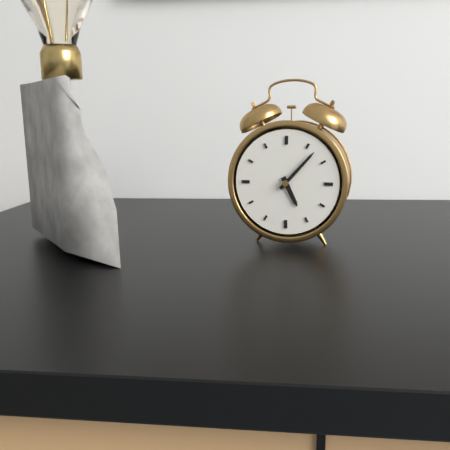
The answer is 5:07
